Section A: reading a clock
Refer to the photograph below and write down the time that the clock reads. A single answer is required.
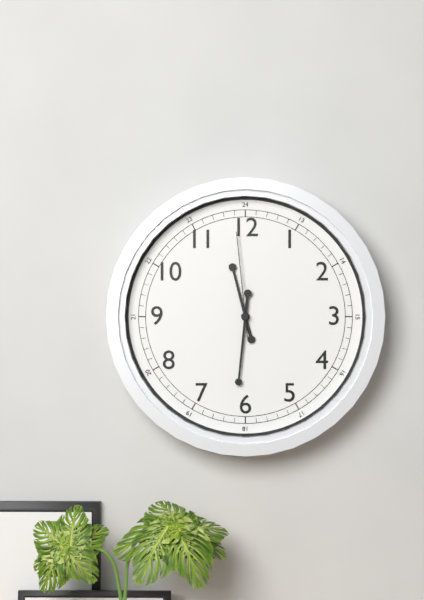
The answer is 11:31:59
